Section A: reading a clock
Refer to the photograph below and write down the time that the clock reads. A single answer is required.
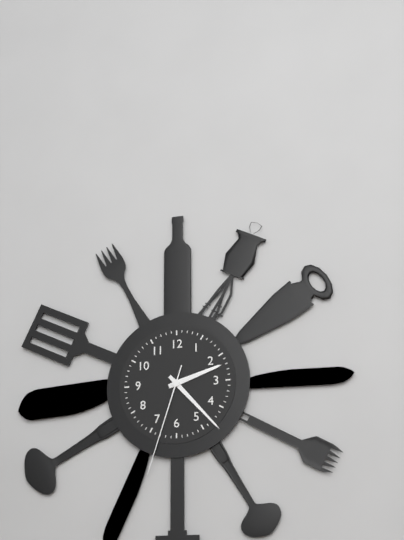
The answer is 2:23:33
